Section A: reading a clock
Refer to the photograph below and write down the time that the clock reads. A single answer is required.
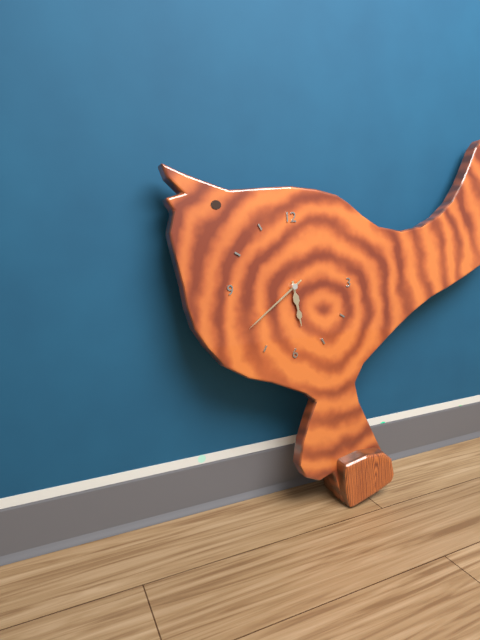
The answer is 5:39
